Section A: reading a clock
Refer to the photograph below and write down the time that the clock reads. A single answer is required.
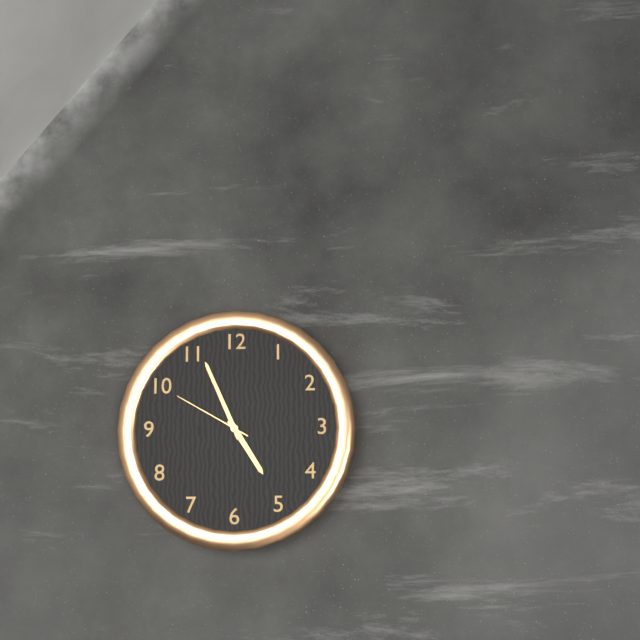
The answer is 4:56:50
